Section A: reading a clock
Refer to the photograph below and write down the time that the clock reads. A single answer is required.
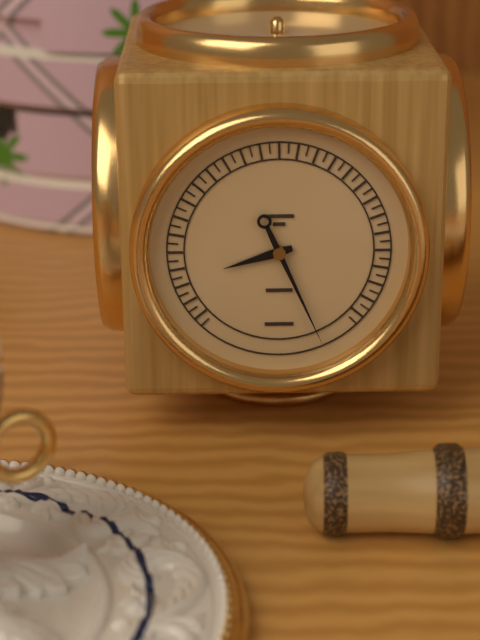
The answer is 8:26
